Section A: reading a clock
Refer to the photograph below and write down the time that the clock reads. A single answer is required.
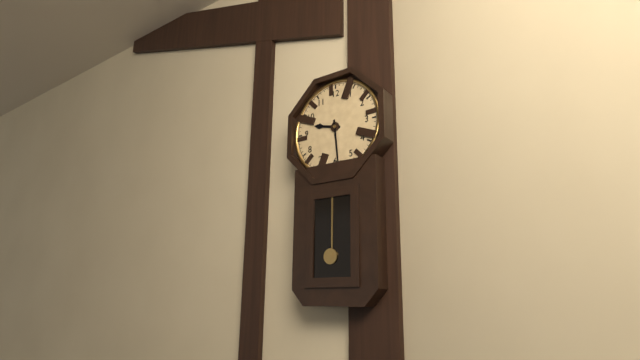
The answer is 9:29
